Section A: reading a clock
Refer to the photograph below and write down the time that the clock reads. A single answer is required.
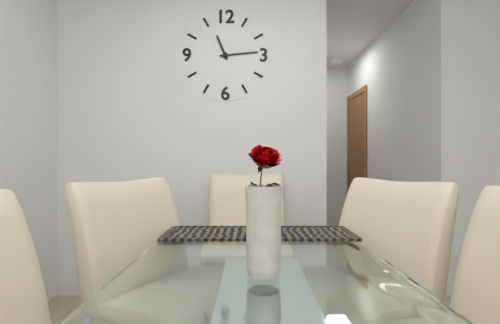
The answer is 11:14
